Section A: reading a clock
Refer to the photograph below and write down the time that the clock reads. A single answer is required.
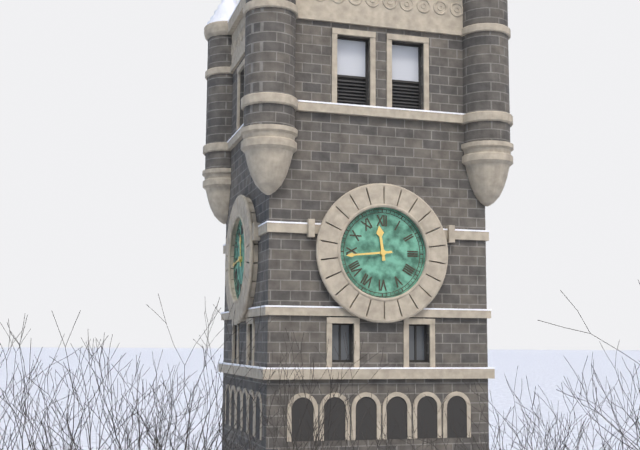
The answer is 11:44
